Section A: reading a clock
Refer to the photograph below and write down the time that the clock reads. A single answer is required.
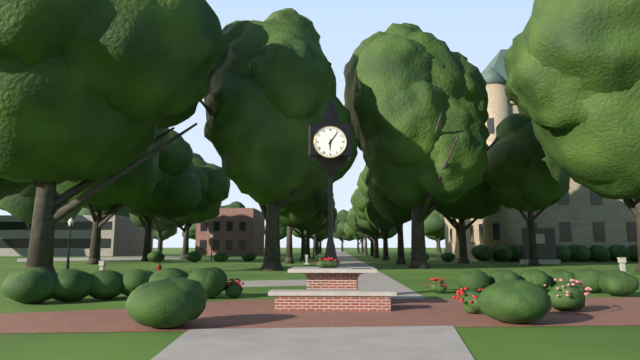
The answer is 6:06
